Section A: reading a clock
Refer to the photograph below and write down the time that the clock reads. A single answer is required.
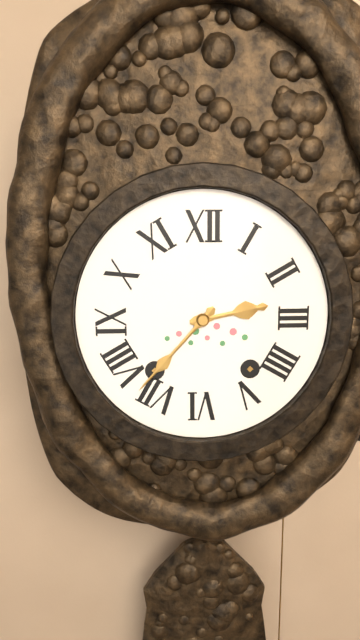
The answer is 2:37
